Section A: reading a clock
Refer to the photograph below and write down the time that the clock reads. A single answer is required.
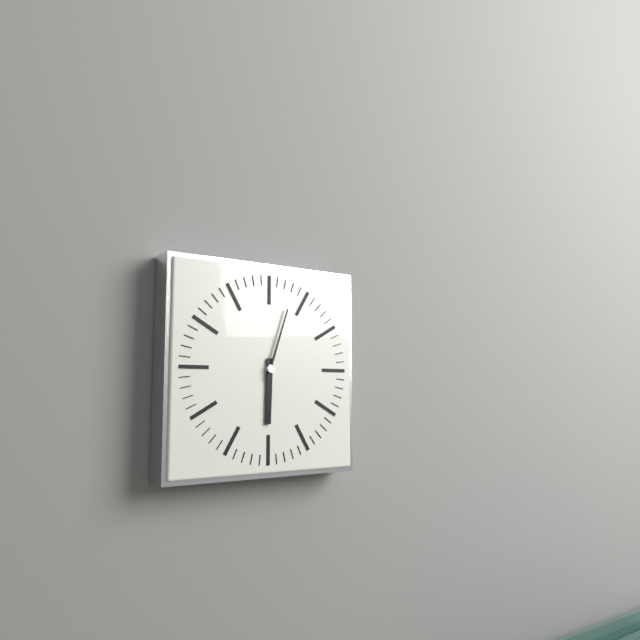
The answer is 6:03
